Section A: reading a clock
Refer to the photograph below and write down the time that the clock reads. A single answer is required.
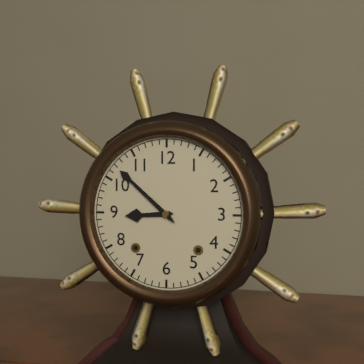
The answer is 8:52
